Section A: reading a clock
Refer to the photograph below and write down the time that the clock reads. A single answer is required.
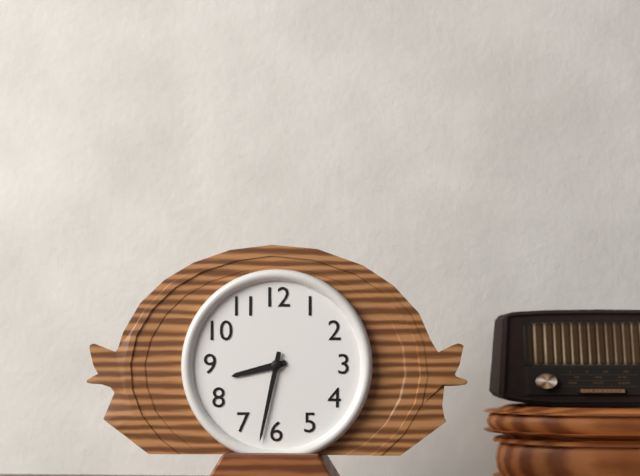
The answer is 8:32
